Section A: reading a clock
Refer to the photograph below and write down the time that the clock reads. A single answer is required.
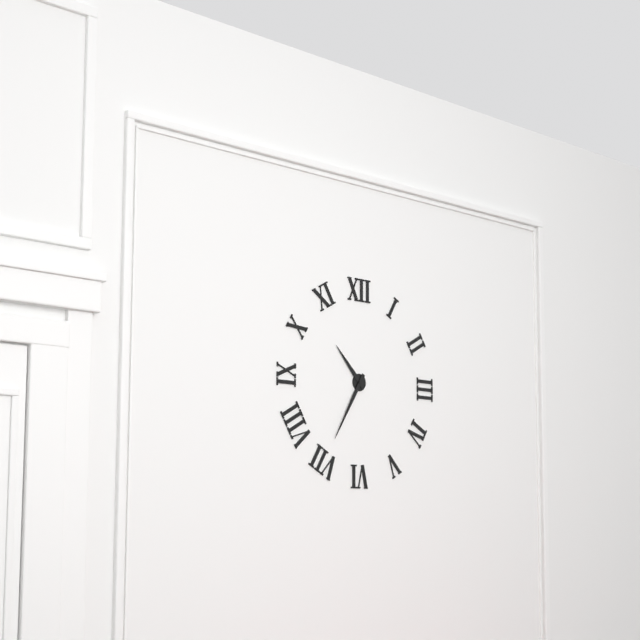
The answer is 10:35
